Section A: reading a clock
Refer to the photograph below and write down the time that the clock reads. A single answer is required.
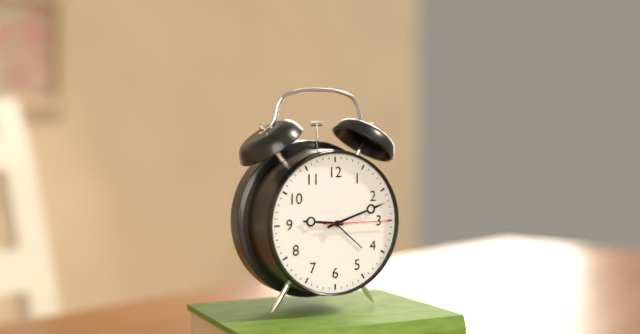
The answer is 9:12:15
